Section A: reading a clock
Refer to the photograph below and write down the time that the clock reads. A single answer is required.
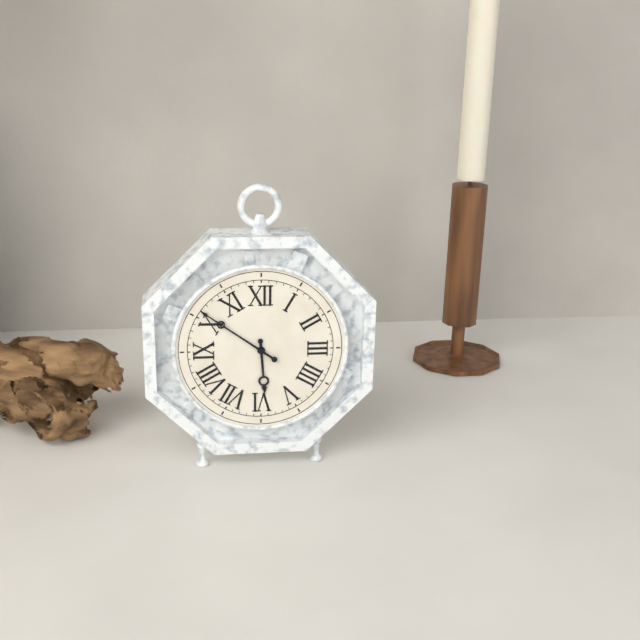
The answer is 5:51
